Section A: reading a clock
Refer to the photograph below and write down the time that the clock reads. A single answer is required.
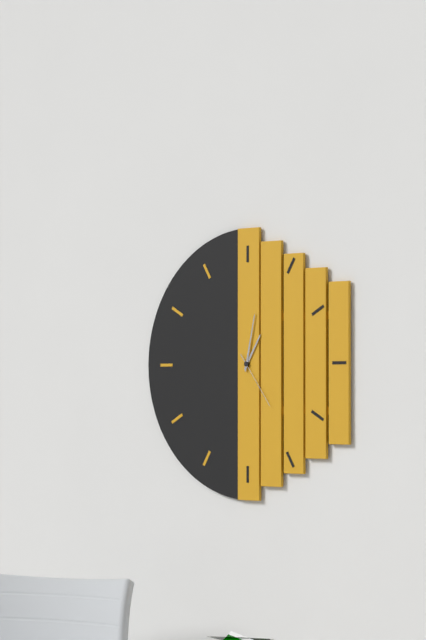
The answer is 1:02:24
